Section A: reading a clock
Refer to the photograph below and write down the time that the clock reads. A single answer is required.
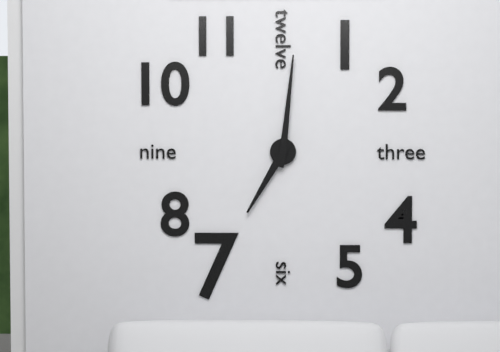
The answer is 7:01
